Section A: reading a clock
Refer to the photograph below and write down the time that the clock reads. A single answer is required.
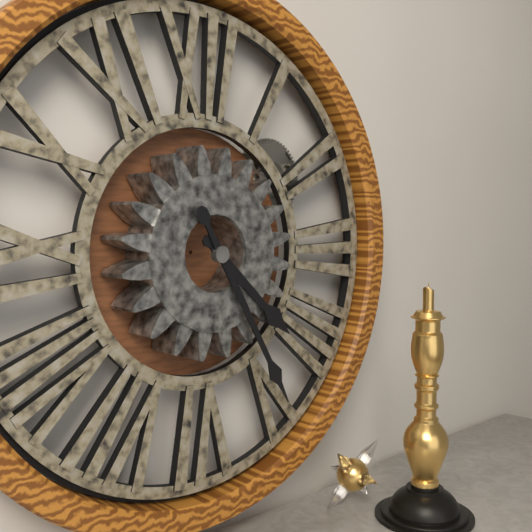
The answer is 4:25
